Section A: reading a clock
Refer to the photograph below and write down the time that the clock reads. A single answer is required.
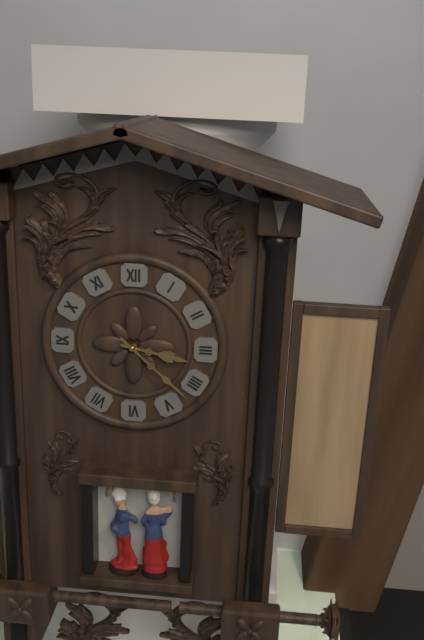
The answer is 3:22
